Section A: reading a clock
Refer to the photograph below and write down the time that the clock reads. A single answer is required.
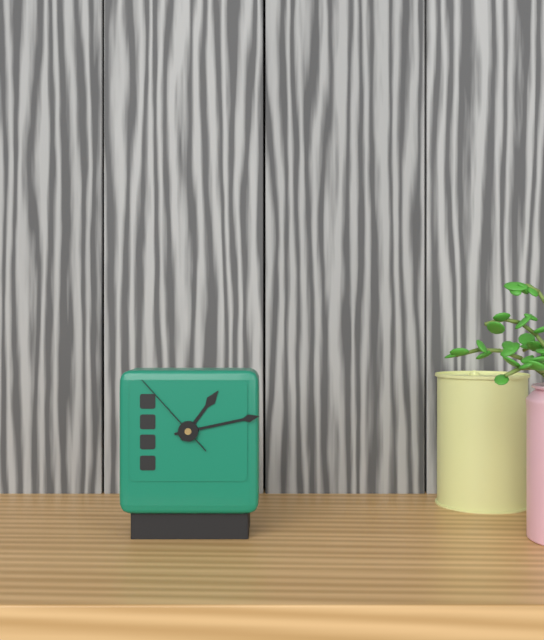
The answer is 1:13:53
